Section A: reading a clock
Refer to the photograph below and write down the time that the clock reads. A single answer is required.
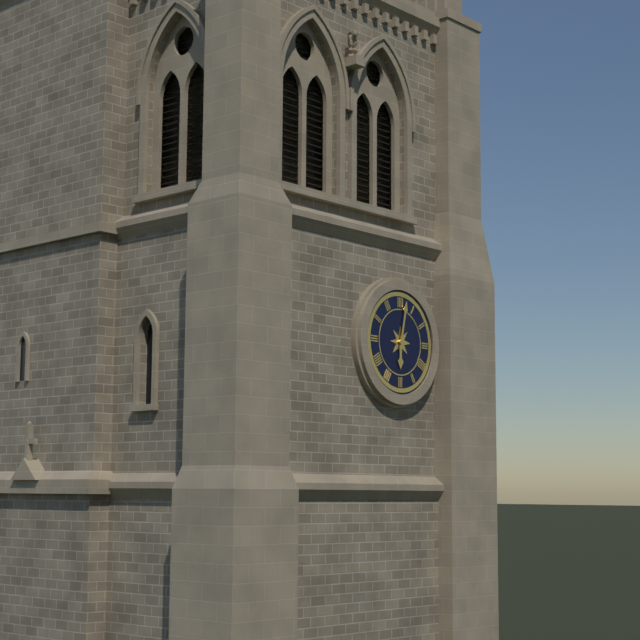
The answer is 6:02
